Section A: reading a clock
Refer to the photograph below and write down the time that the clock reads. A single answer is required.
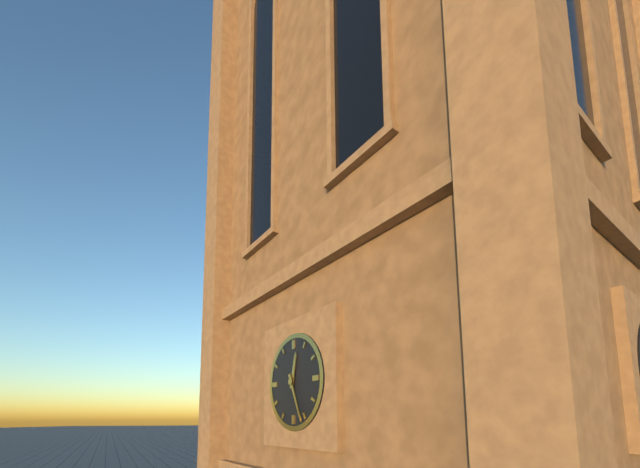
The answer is 12:26
